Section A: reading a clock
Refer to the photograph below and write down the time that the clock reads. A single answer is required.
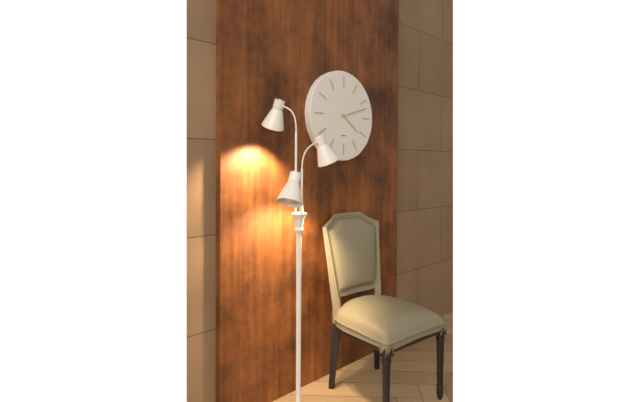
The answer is 4:12
